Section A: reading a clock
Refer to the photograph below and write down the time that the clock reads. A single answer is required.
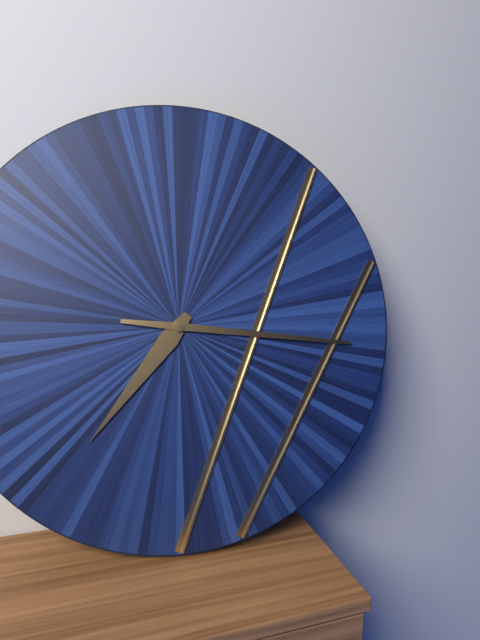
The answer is 7:16
